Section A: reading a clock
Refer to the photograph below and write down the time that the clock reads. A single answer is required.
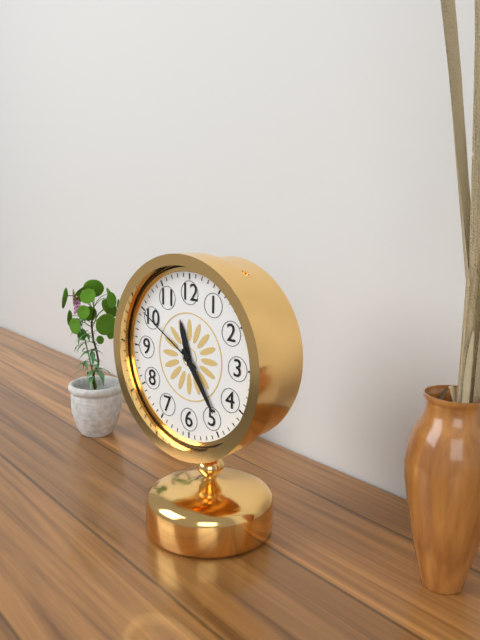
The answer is 11:24:50
